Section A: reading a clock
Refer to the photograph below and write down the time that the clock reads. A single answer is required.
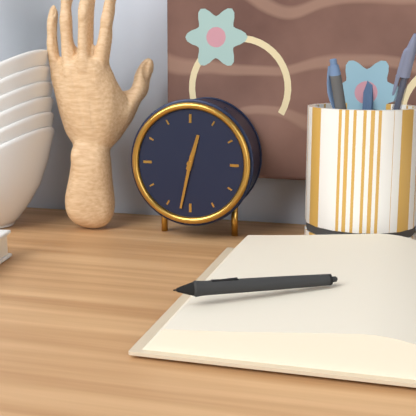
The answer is 12:32
